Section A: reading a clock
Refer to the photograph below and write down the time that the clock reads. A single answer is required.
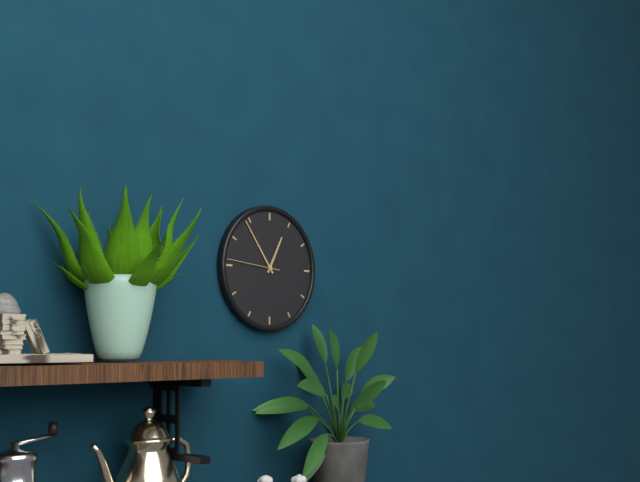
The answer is 12:54:46
